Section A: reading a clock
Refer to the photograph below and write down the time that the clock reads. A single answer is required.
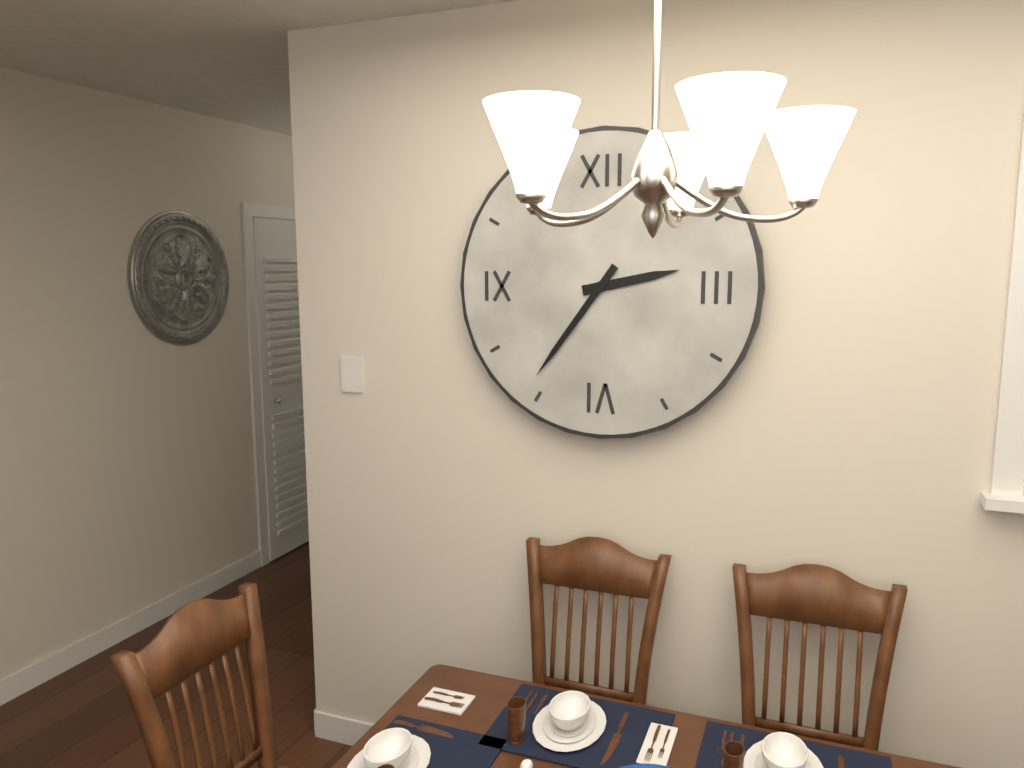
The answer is 2:36
